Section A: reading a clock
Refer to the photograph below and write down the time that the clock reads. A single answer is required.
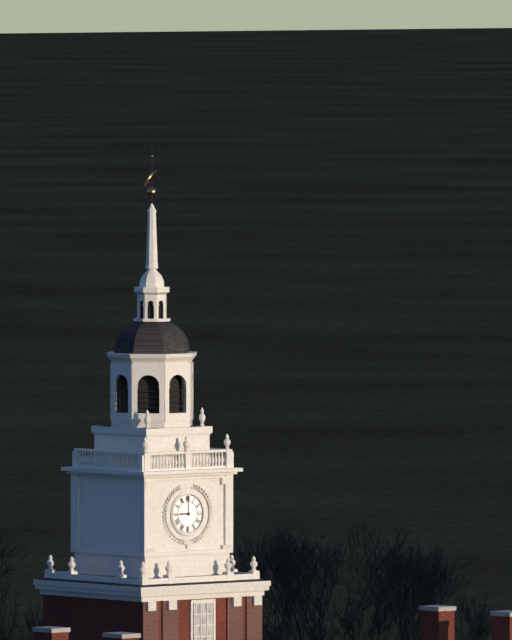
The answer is 9:00
